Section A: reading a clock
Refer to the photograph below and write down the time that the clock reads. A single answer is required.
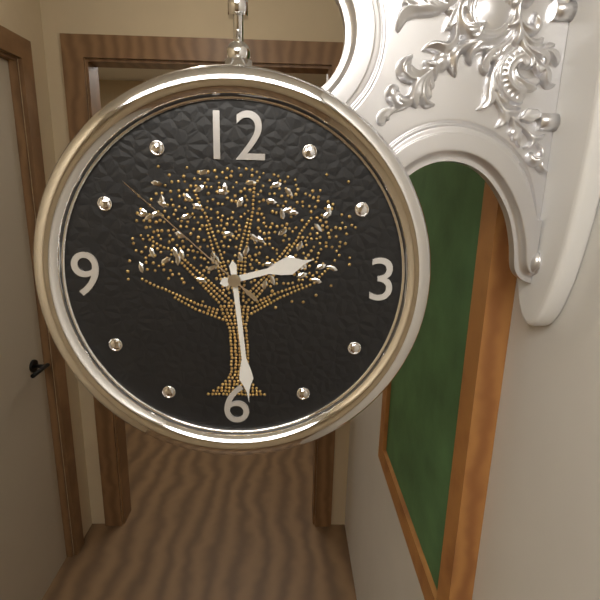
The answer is 2:29:52
